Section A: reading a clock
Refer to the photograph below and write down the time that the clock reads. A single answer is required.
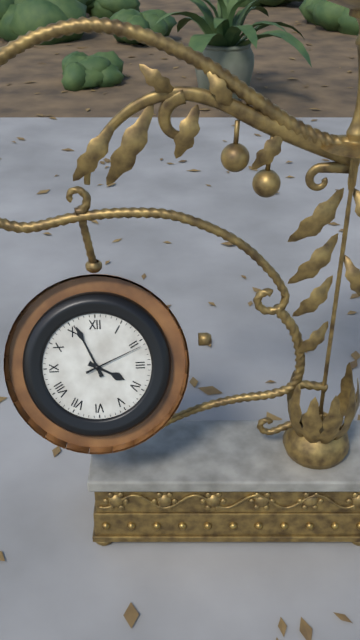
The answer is 3:56:11
